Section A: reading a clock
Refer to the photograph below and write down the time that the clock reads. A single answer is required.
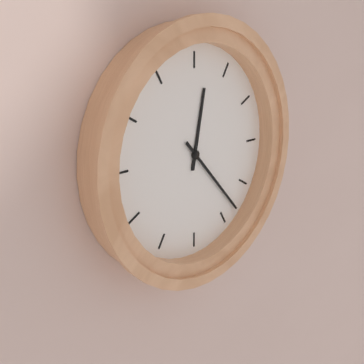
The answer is 12:23
